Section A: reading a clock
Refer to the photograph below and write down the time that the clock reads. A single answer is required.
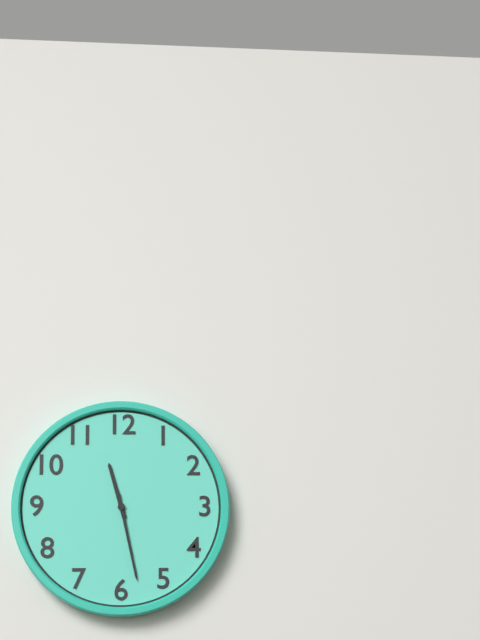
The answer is 11:28
